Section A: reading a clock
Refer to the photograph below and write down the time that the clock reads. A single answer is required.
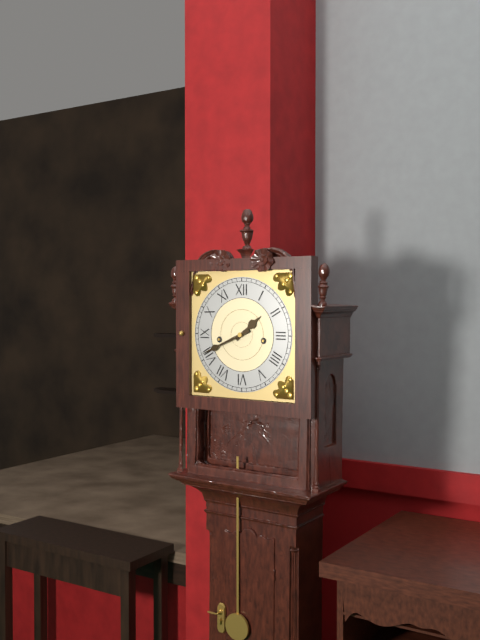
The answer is 1:41
